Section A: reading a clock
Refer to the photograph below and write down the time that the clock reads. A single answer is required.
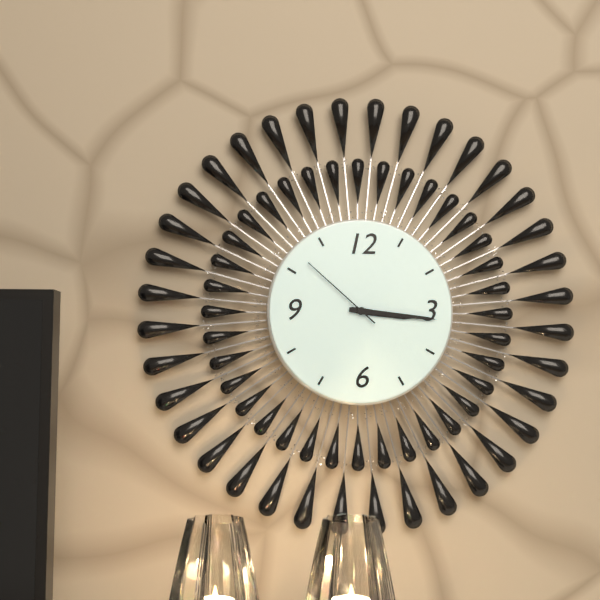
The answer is 3:16:52
